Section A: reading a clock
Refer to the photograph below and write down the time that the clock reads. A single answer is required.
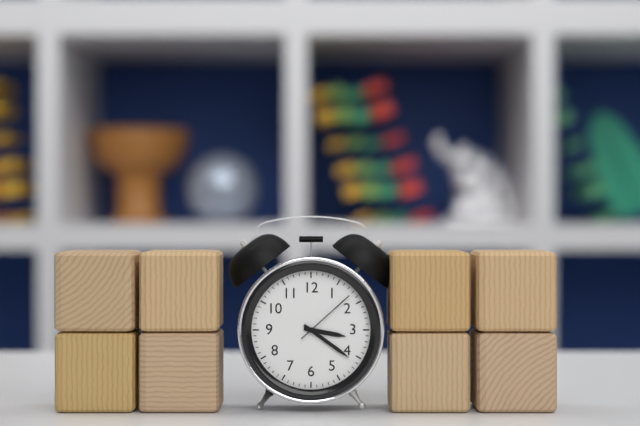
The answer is 3:21:08
